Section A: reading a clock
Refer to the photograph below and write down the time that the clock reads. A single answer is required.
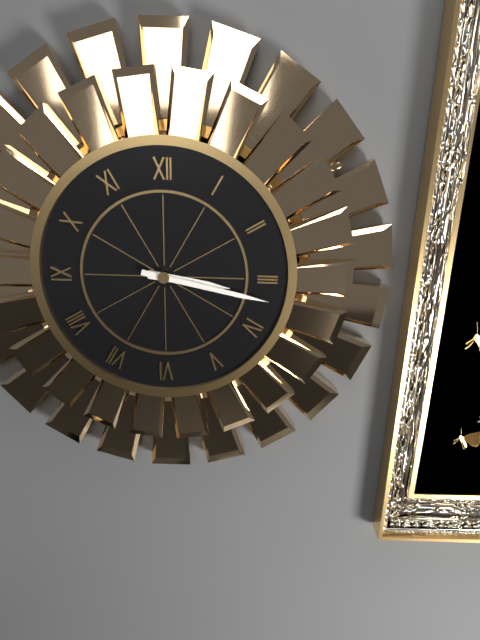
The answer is 3:17
